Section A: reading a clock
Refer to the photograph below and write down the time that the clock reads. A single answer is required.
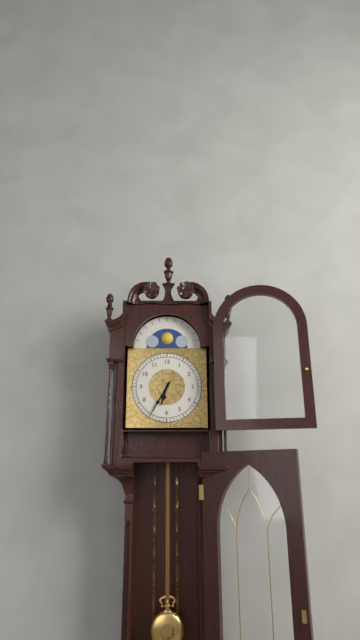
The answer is 6:35
